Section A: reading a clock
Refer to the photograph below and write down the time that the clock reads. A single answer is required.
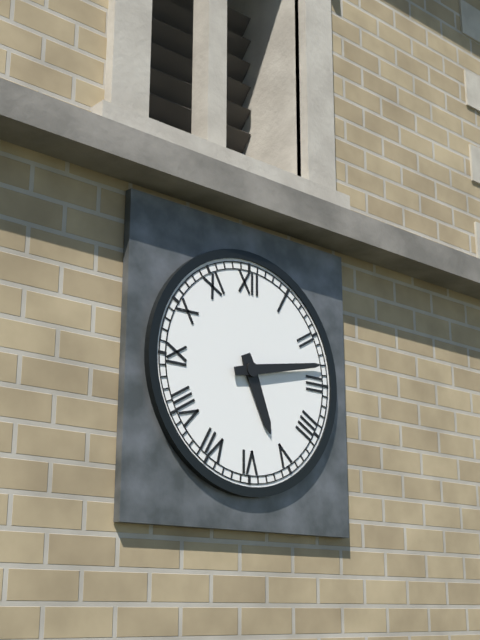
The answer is 5:13
